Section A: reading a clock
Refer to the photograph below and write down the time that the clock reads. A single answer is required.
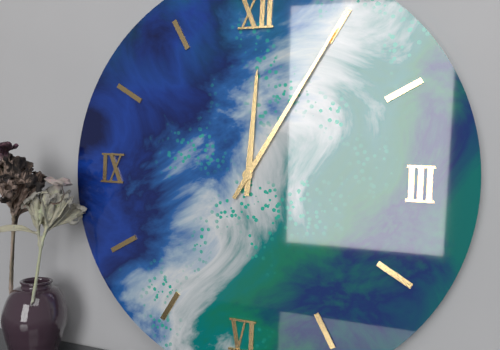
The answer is 12:05
